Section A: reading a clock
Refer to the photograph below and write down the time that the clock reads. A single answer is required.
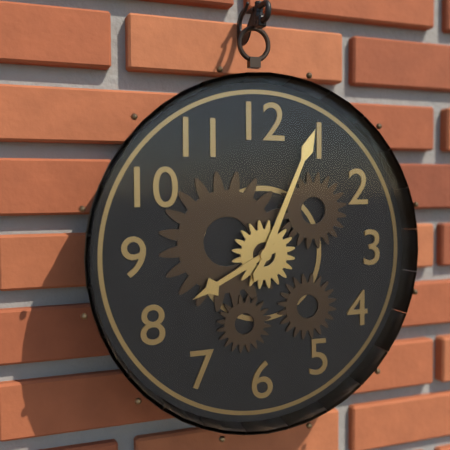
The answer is 8:04
